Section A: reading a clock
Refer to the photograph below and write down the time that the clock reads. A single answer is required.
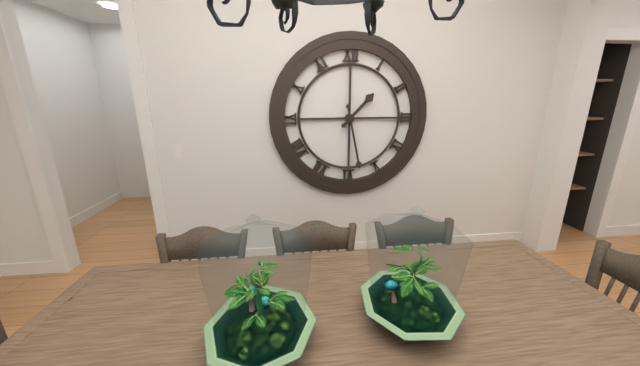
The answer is 1:28
